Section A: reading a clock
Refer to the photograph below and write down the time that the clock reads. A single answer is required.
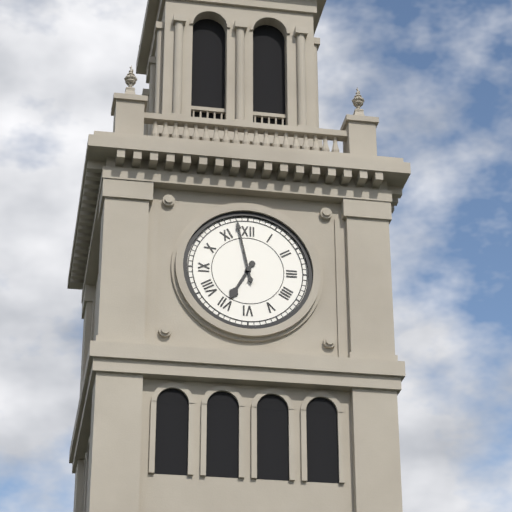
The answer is 6:58
